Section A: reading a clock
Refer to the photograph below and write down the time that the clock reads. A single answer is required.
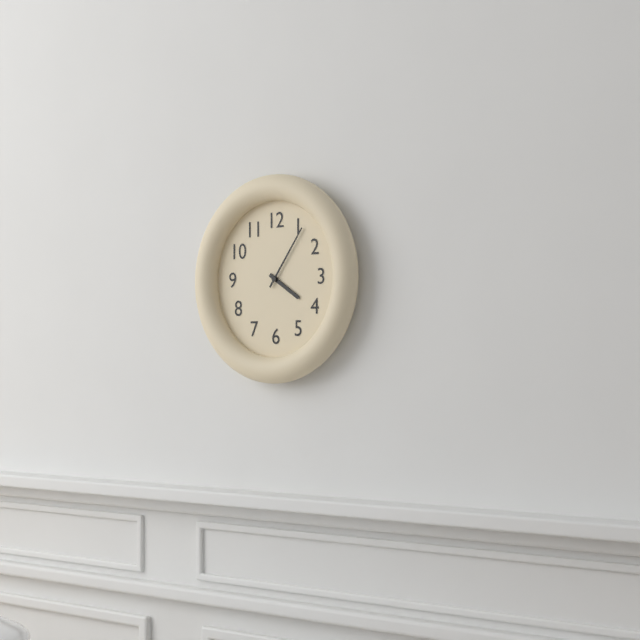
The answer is 4:06
